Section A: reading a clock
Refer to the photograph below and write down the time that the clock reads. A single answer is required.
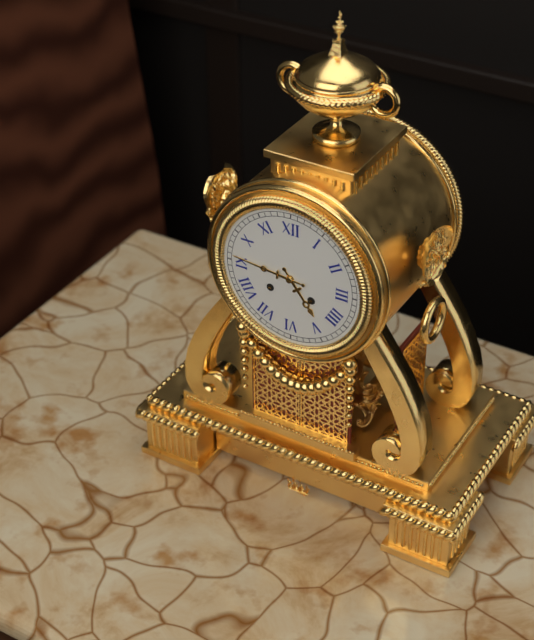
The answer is 4:46
